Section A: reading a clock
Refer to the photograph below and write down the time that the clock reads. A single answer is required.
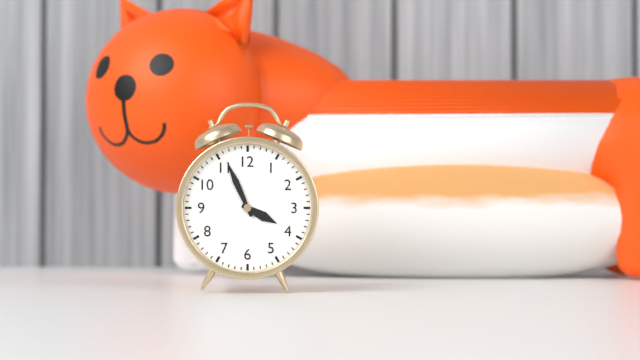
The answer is 3:56
